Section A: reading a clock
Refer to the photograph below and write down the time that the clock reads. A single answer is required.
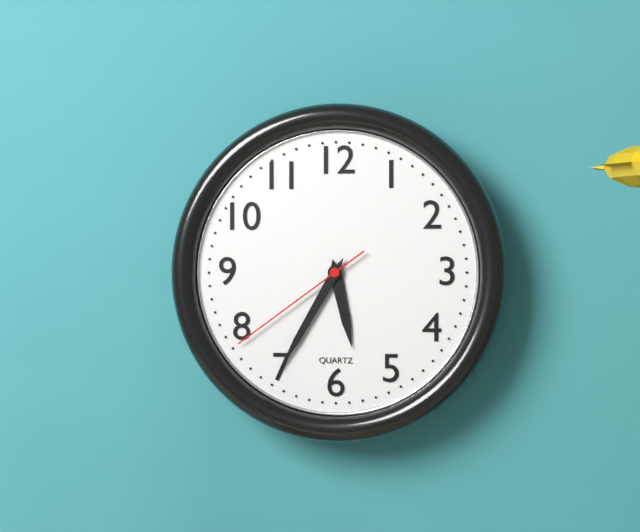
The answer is 5:35:39
